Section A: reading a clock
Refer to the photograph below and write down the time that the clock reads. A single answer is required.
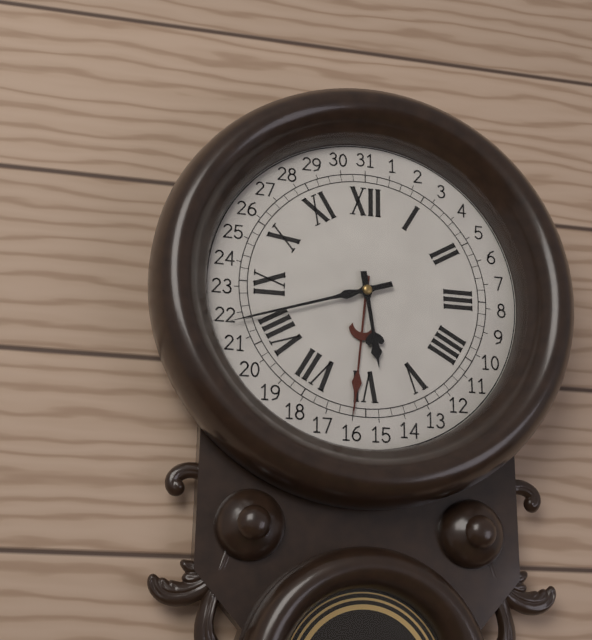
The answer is 5:42
